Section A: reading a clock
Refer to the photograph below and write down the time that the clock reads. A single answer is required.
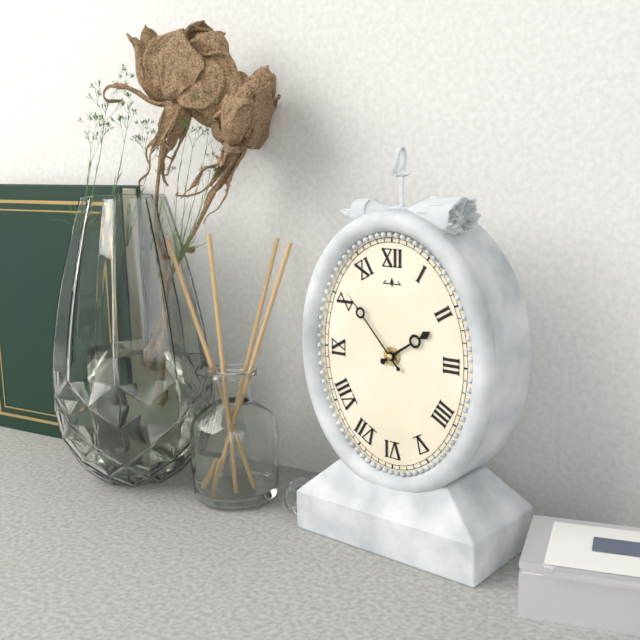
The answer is 1:53
